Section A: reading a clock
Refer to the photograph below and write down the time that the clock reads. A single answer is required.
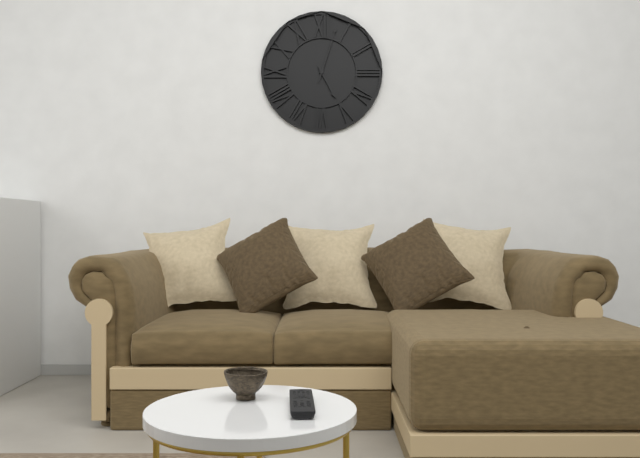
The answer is 5:03
